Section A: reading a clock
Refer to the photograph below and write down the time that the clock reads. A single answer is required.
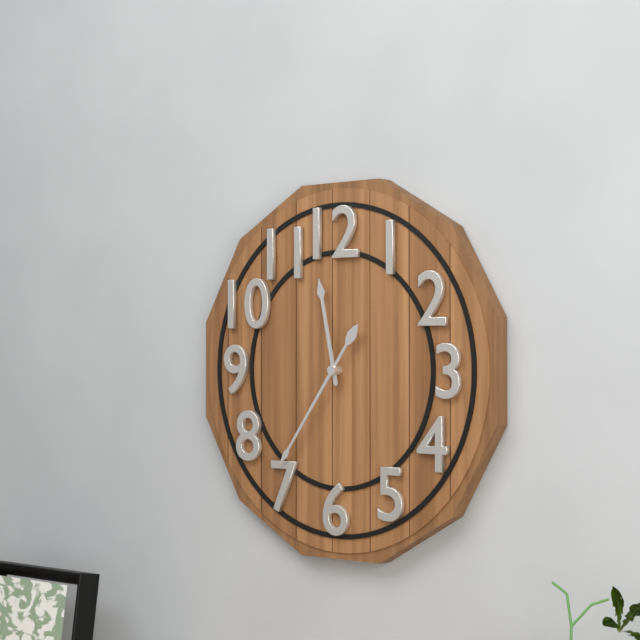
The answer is 11:36
